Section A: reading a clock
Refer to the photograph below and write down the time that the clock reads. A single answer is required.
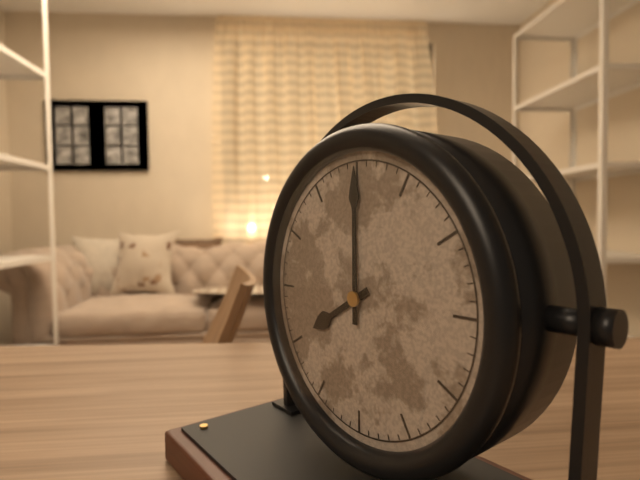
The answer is 8:00
